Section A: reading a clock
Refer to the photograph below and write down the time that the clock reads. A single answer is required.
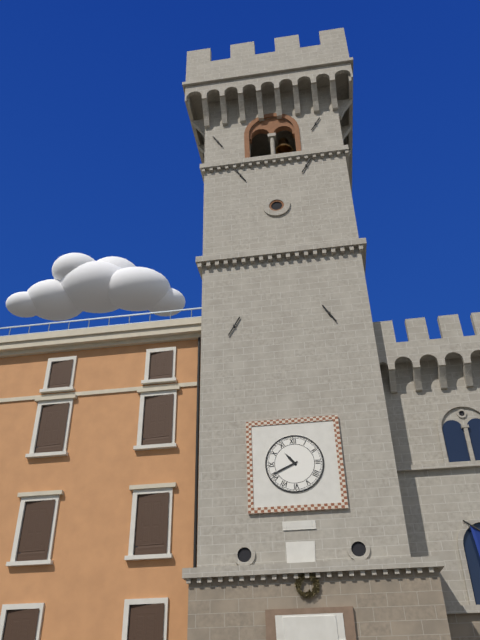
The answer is 10:41
